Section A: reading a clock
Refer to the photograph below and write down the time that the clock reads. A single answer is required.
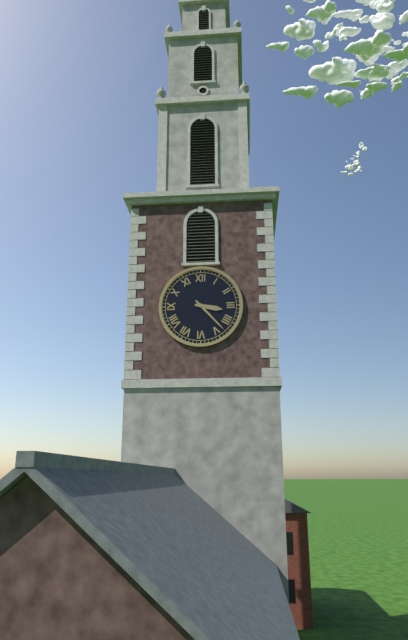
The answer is 3:23
